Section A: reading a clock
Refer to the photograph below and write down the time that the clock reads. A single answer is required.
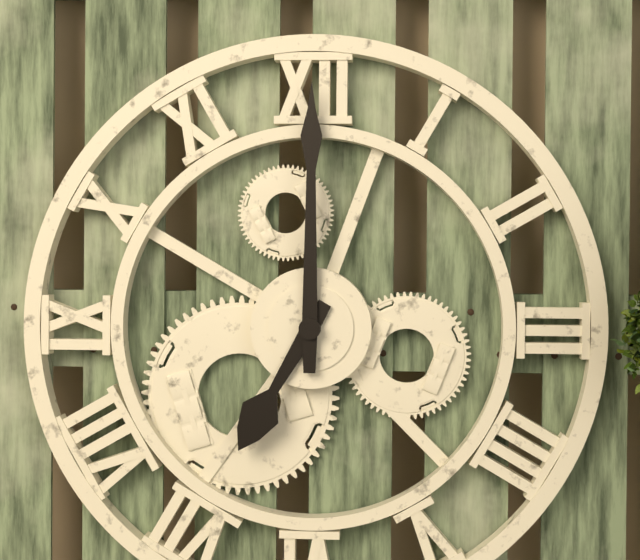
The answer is 7:00
